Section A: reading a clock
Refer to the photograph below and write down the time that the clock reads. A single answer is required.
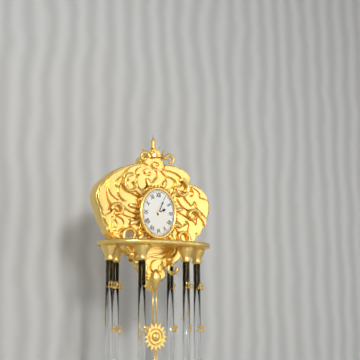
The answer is 2:04
